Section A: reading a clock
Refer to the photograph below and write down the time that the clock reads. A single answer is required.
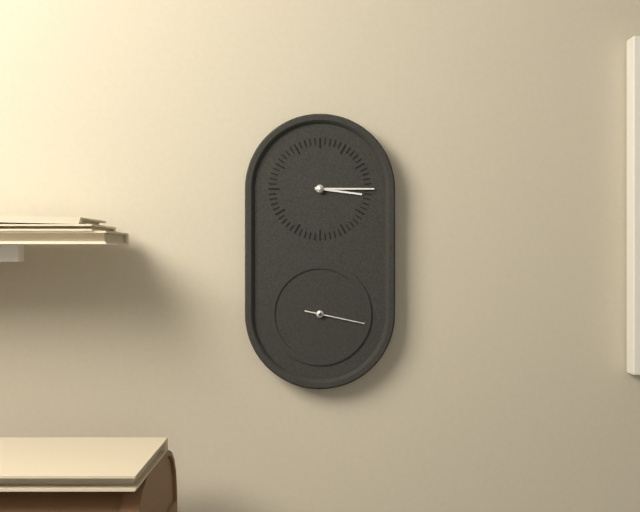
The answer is 3:15:17
